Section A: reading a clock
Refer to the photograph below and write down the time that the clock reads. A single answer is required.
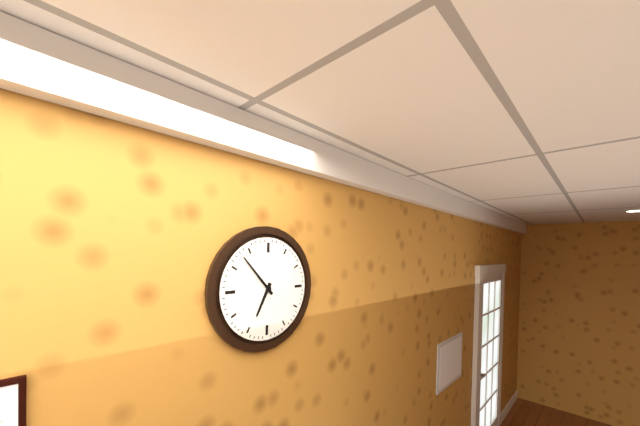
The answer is 6:53
